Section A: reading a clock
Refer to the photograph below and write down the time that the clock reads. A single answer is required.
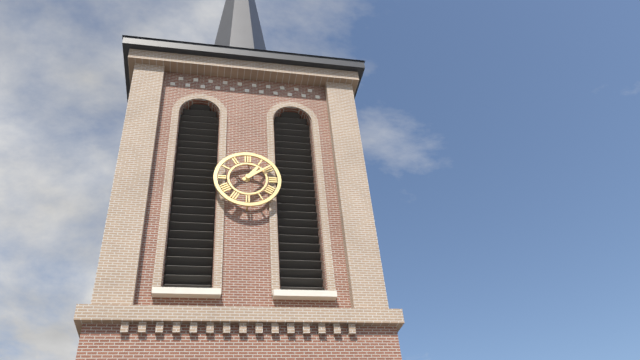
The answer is 1:09
